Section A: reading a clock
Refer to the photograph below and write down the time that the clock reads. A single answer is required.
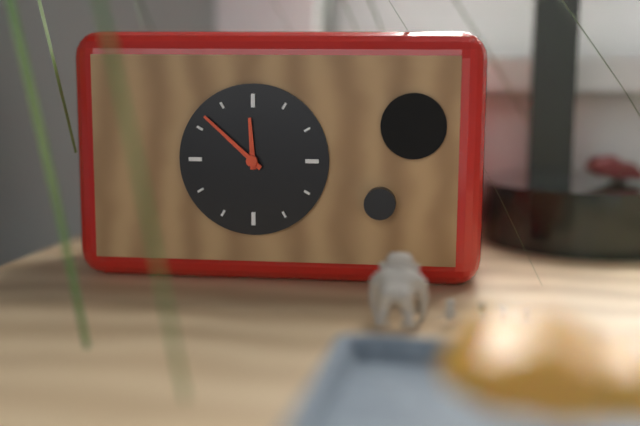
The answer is 11:52
